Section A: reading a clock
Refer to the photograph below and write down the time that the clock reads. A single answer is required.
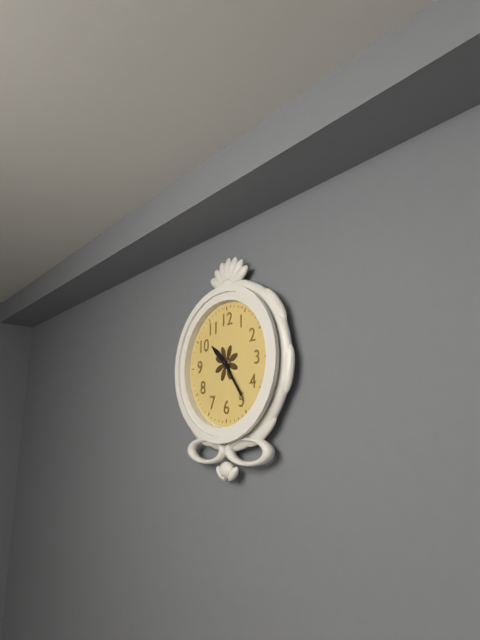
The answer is 10:24
